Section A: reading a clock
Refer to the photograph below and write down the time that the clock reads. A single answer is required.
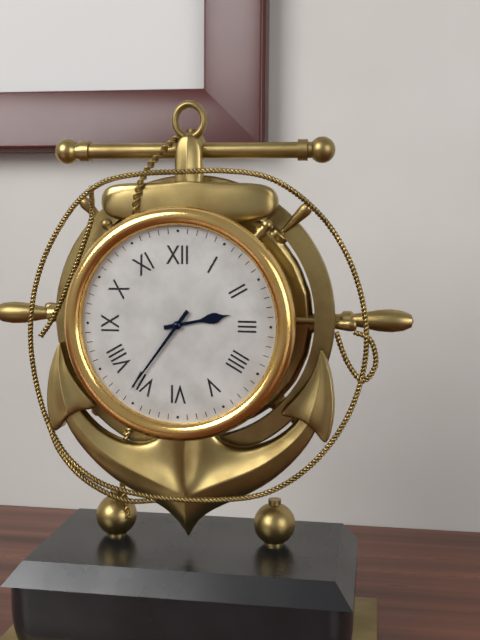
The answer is 2:36
